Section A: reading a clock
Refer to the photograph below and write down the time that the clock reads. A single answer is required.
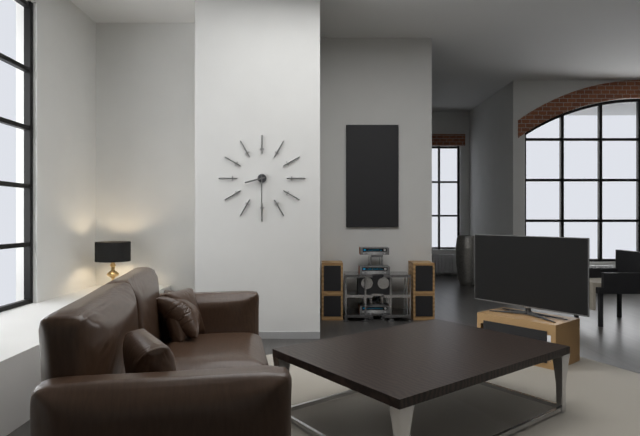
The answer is 8:30
